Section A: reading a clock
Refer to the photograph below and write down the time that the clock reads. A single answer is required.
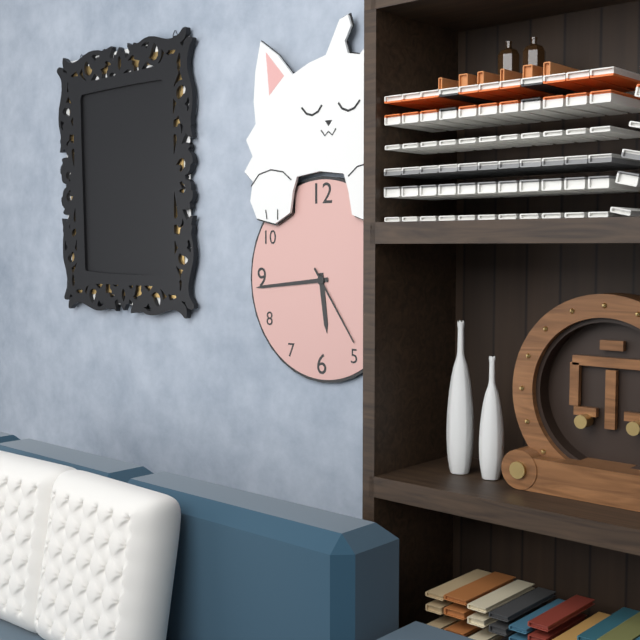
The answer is 5:44:24
